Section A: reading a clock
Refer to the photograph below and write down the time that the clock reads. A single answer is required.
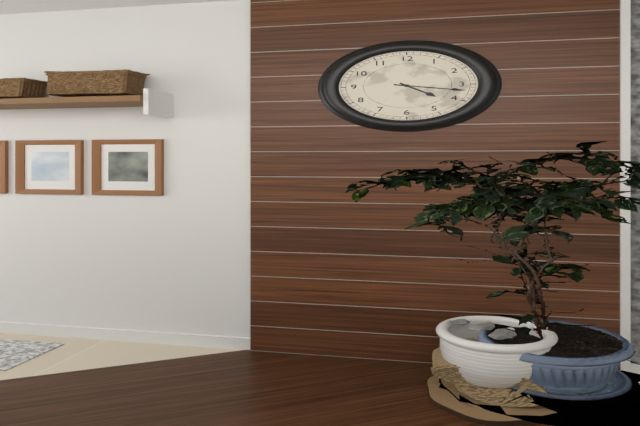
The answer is 4:17
